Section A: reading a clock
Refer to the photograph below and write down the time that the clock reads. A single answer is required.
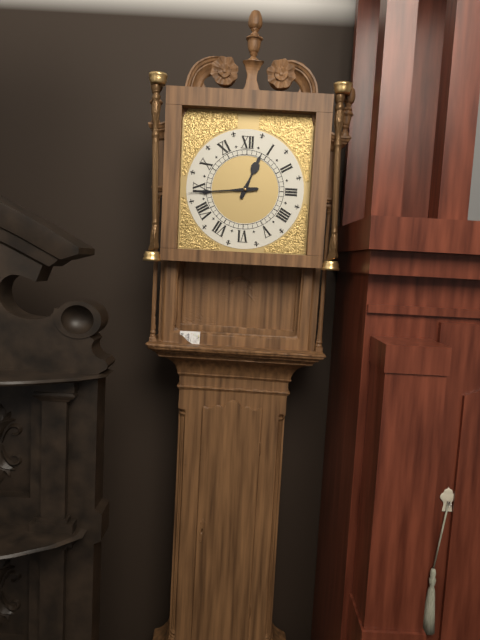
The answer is 12:44
